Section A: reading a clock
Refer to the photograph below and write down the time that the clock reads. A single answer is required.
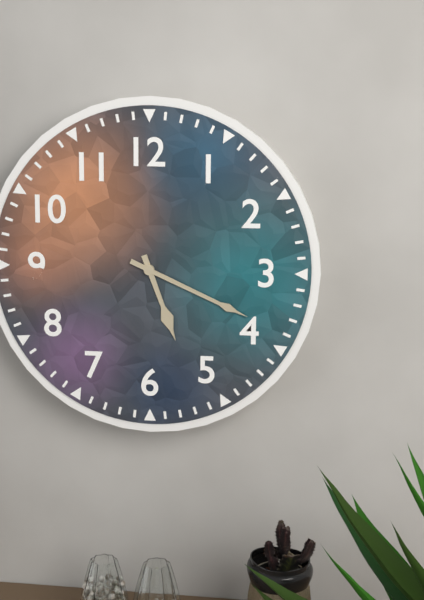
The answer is 5:19
